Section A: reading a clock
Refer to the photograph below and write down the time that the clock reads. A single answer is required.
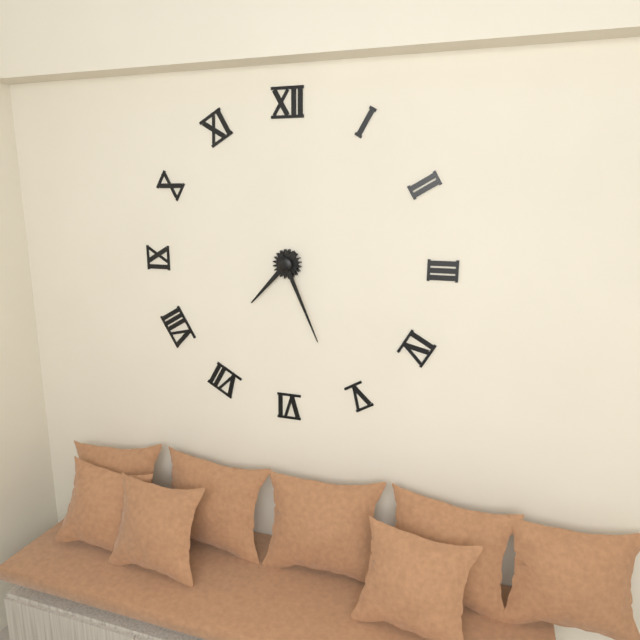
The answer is 7:26
